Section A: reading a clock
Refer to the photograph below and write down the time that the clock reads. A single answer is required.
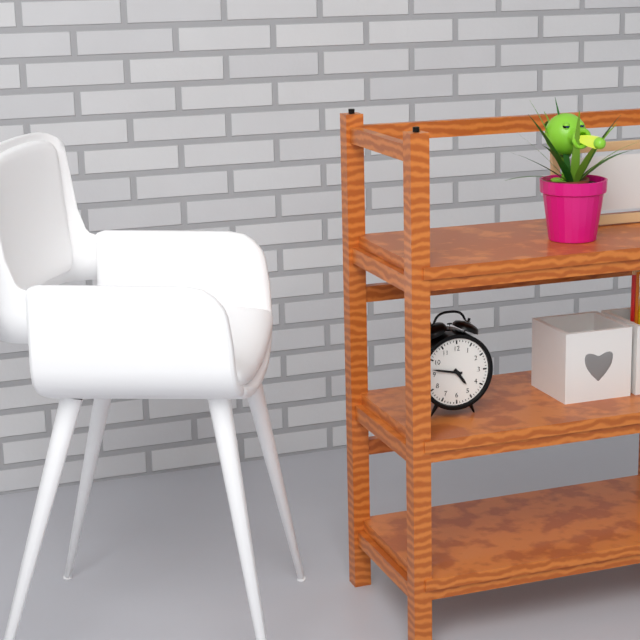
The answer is 4:47
